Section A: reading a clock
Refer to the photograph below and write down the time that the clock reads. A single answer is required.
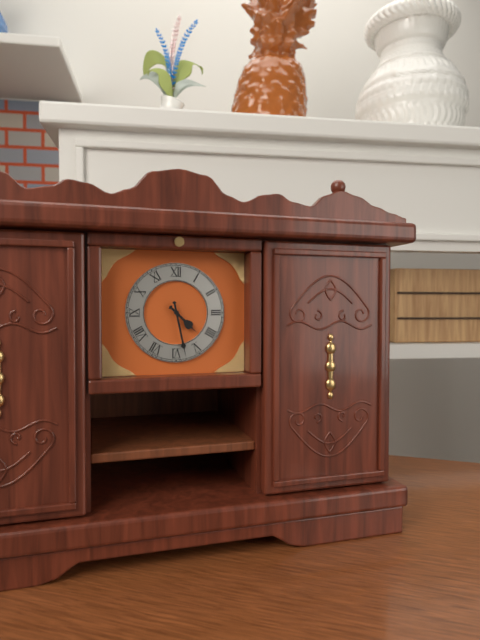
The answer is 4:28
